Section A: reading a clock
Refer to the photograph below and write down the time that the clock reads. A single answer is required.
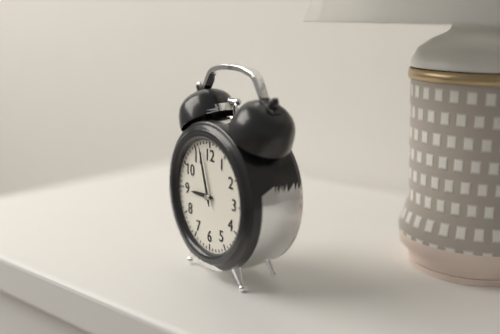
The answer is 8:57
